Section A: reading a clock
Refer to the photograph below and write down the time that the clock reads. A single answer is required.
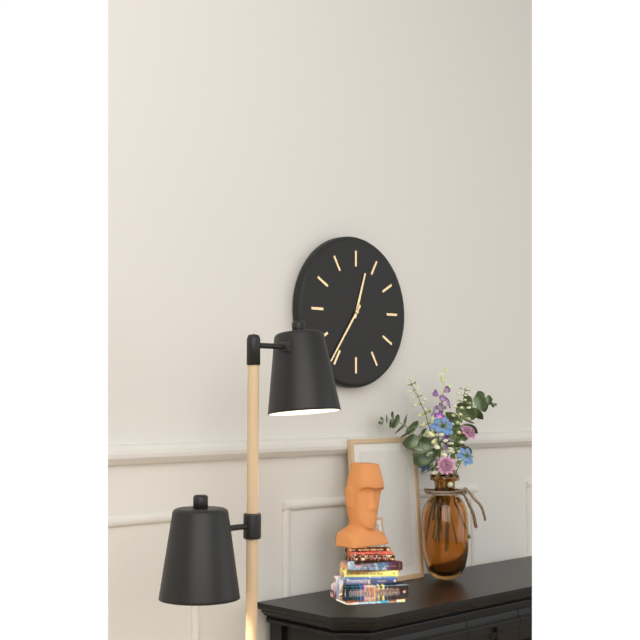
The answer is 12:36
